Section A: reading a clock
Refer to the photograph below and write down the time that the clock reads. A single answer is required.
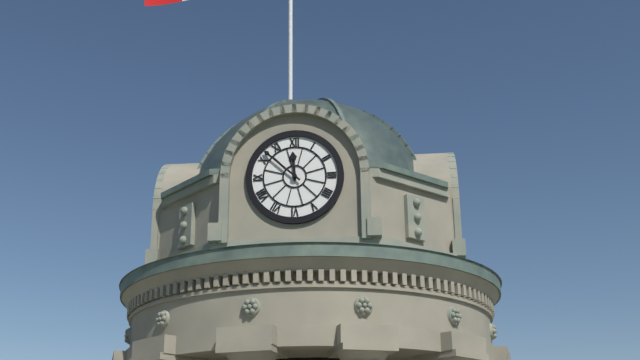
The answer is 11:52
